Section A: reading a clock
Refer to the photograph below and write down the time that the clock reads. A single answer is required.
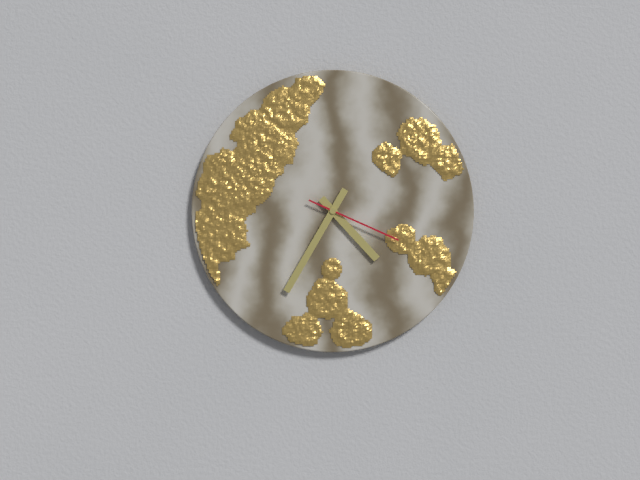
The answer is 4:35:19
